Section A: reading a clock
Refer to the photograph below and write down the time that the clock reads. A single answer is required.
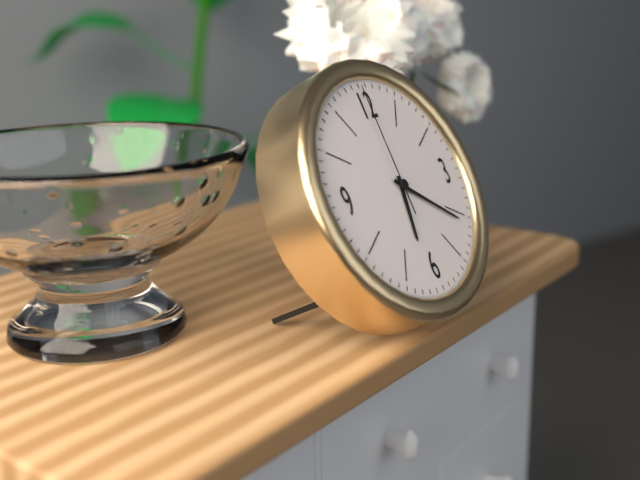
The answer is 6:21:00
